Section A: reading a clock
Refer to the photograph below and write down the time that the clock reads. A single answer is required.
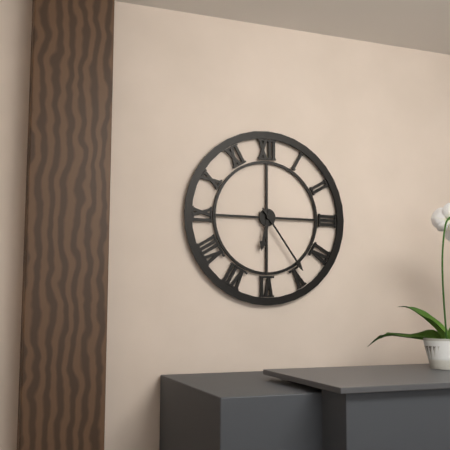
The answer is 6:24
